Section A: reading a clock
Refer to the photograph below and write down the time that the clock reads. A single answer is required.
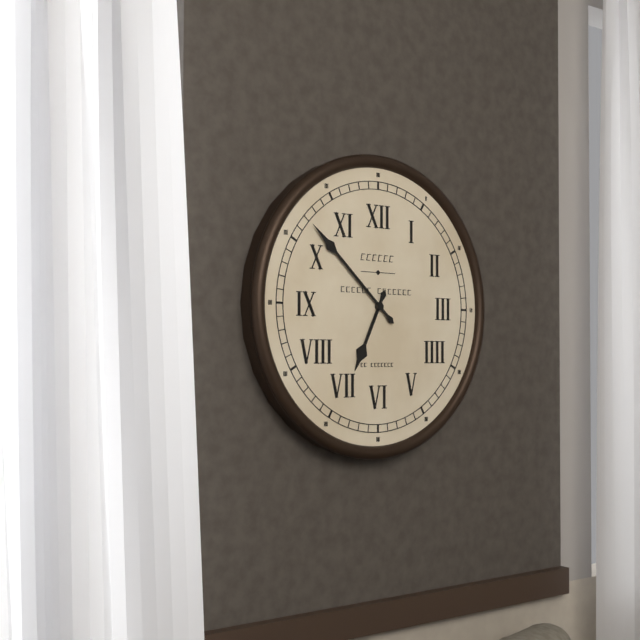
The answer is 6:52
